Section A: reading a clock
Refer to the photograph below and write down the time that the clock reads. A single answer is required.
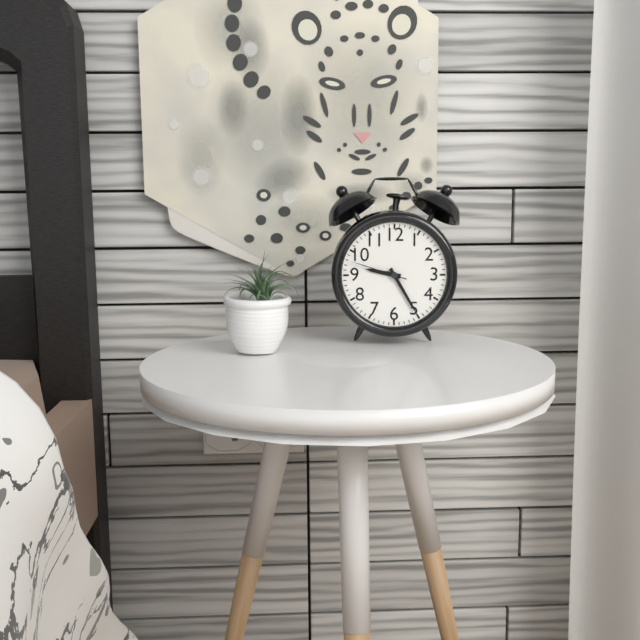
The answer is 9:25:48
